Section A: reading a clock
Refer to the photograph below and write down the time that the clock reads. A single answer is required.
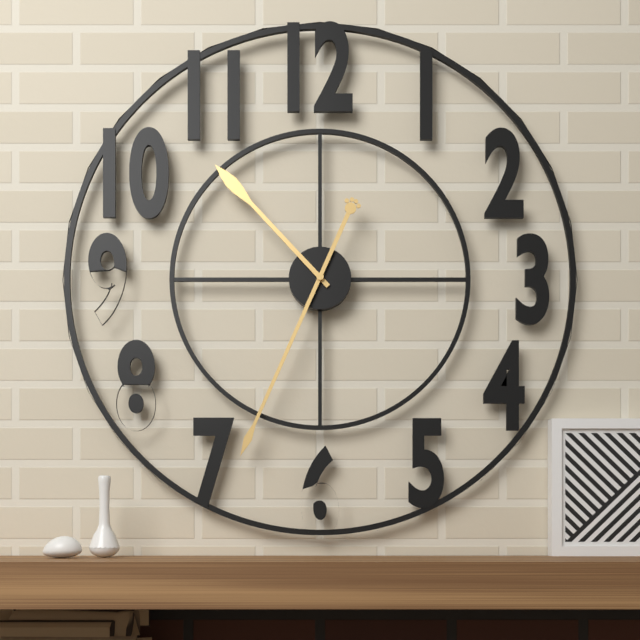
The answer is 10:34
